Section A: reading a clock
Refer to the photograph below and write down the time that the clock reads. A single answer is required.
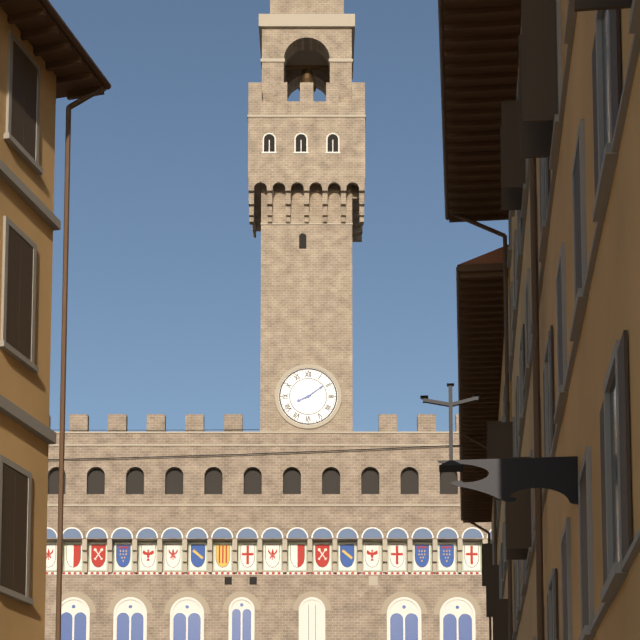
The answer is 8:09
